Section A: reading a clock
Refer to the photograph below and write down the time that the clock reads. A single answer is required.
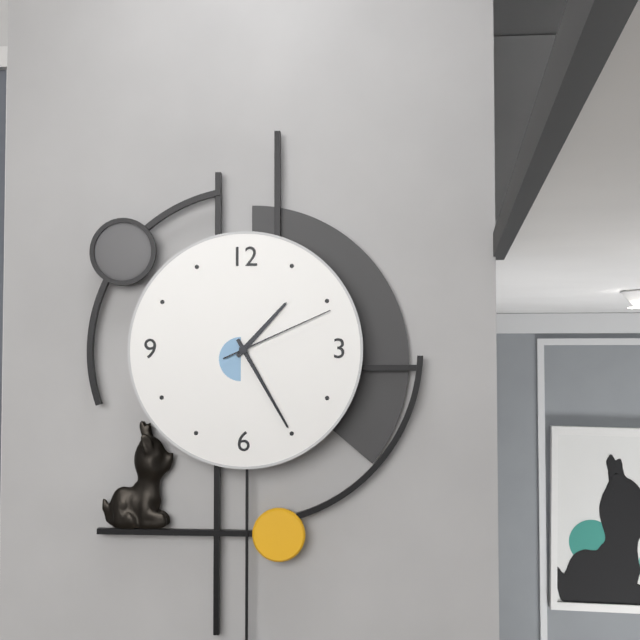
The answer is 1:25:11
